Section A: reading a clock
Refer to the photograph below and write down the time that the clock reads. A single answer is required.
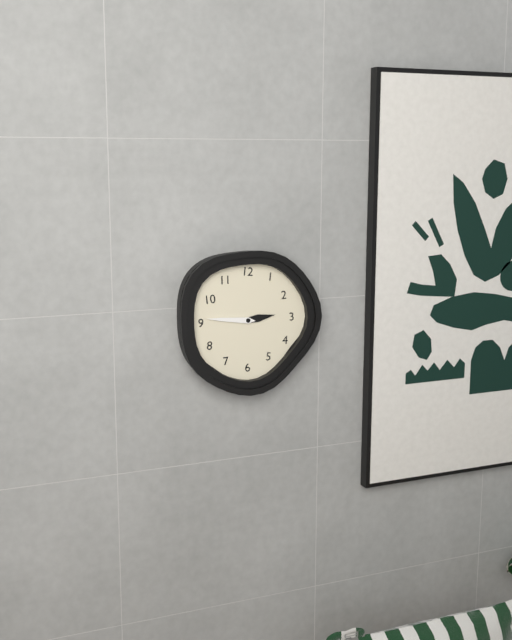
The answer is 2:46
